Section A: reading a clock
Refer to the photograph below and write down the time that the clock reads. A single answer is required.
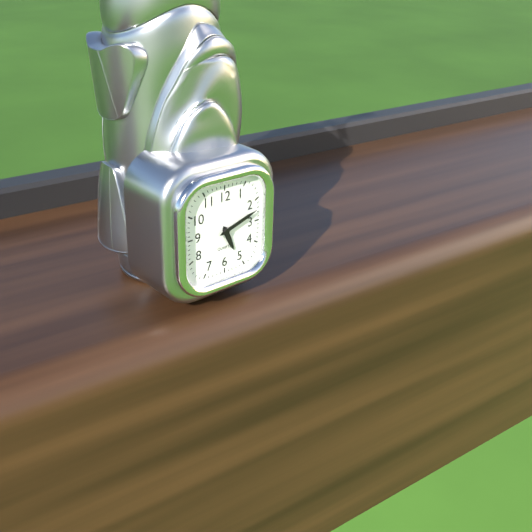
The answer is 5:12
